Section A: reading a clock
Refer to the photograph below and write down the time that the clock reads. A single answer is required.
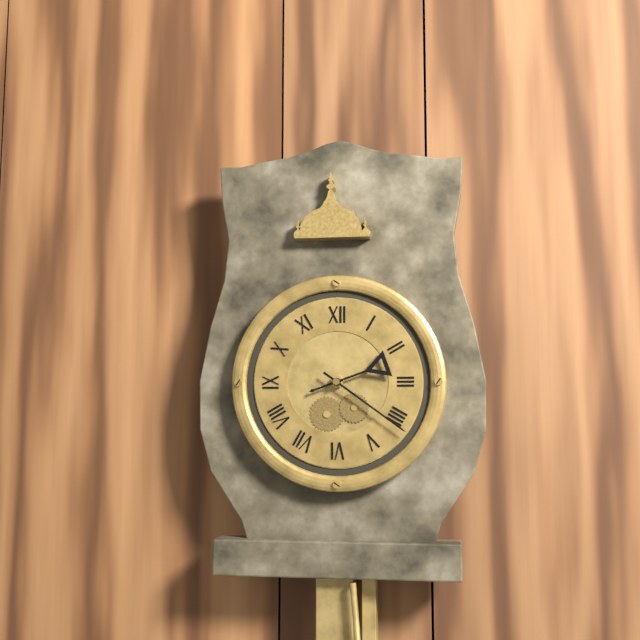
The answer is 2:21
